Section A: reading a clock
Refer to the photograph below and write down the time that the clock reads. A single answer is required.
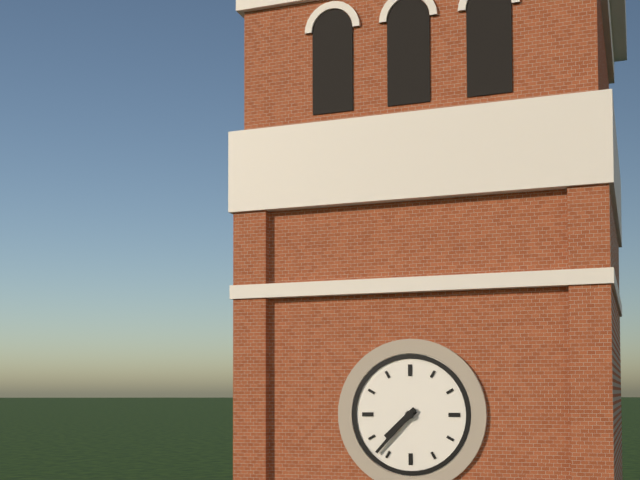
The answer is 7:37
